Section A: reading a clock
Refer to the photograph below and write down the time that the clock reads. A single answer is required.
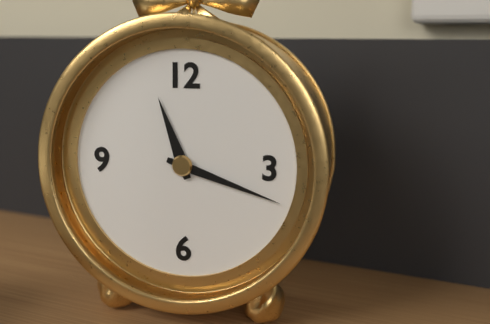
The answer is 11:18
